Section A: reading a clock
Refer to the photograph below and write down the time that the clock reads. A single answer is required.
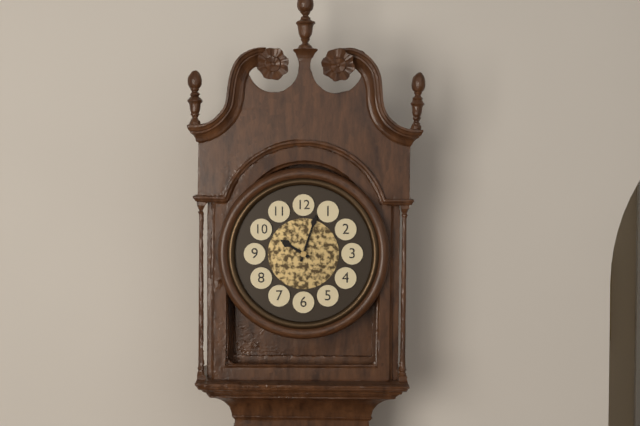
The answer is 10:03
